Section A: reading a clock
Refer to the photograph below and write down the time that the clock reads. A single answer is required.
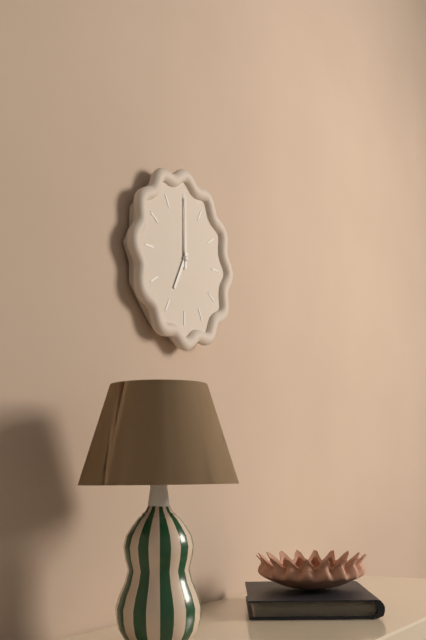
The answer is 7:00
